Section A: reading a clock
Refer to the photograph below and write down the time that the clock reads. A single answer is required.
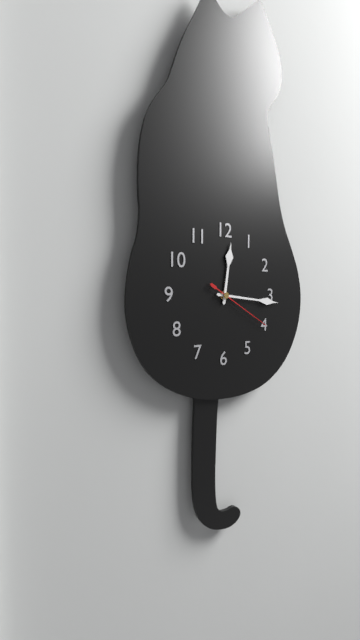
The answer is 12:16:20
